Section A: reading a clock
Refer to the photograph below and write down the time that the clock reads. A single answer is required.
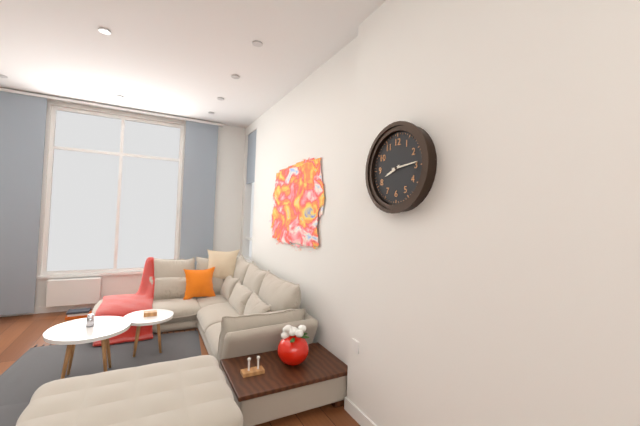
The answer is 8:14
